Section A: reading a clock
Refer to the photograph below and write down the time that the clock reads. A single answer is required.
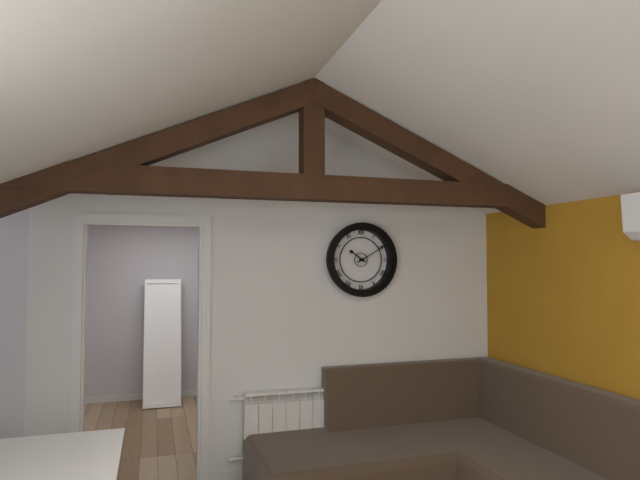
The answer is 10:10
